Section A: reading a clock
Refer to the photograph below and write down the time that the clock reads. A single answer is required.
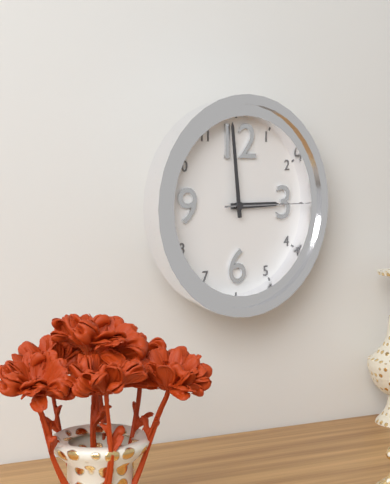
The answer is 2:59:15
